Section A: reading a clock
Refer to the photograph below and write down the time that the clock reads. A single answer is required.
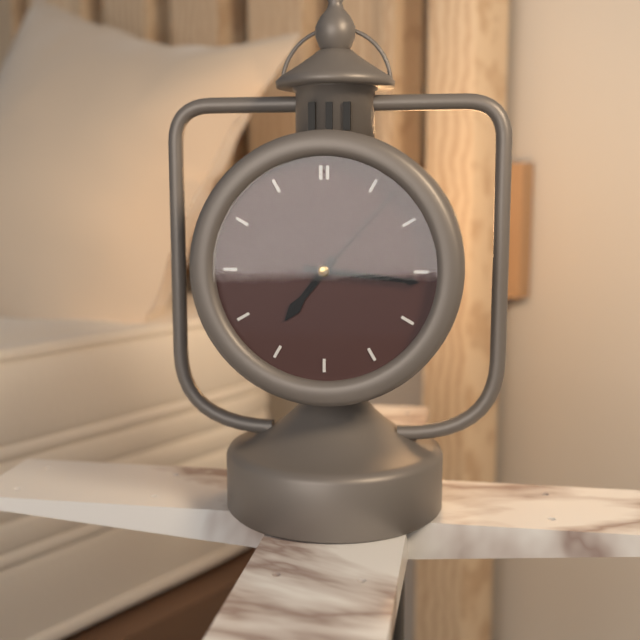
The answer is 7:16:07
